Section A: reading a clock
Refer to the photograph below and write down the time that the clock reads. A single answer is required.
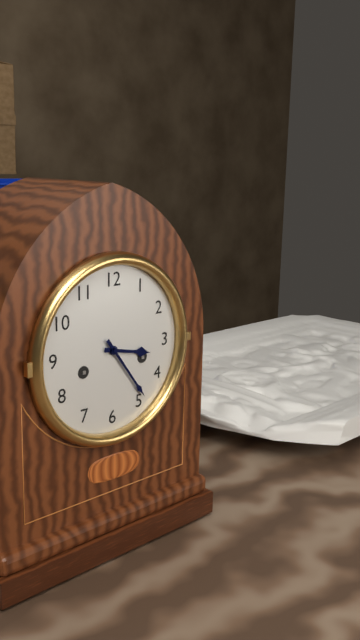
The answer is 3:24
